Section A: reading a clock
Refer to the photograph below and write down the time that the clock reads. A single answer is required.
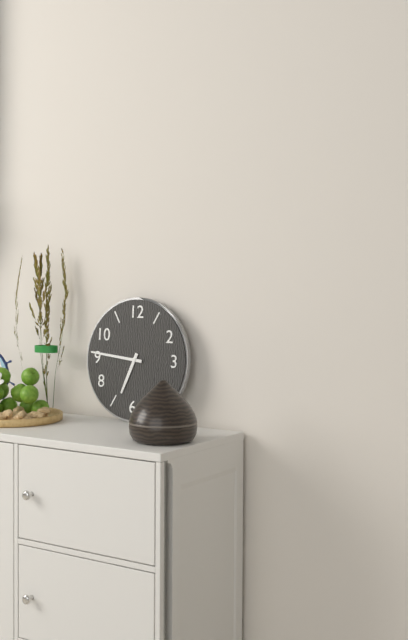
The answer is 6:46
